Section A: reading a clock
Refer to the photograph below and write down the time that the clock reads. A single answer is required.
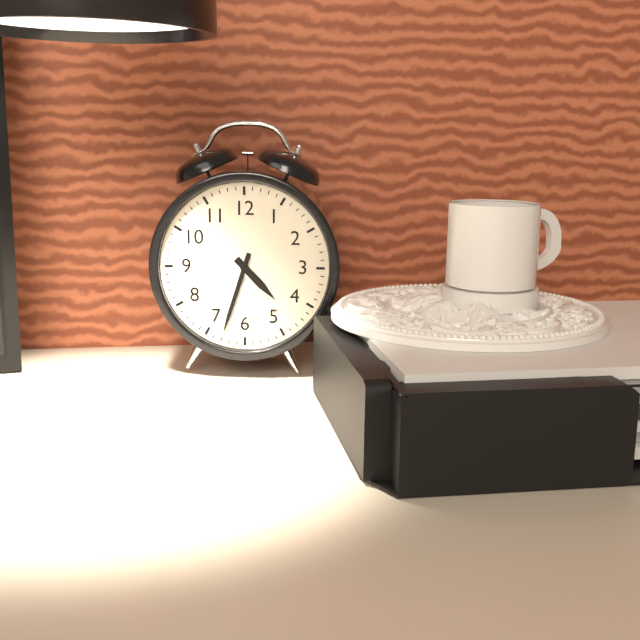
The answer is 4:33
